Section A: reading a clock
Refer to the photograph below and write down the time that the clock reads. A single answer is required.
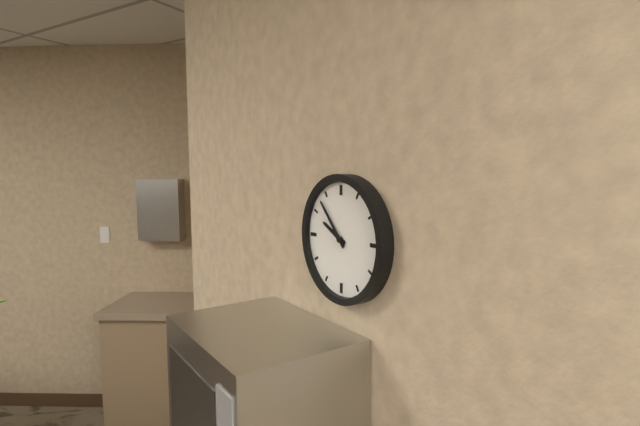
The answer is 9:53
